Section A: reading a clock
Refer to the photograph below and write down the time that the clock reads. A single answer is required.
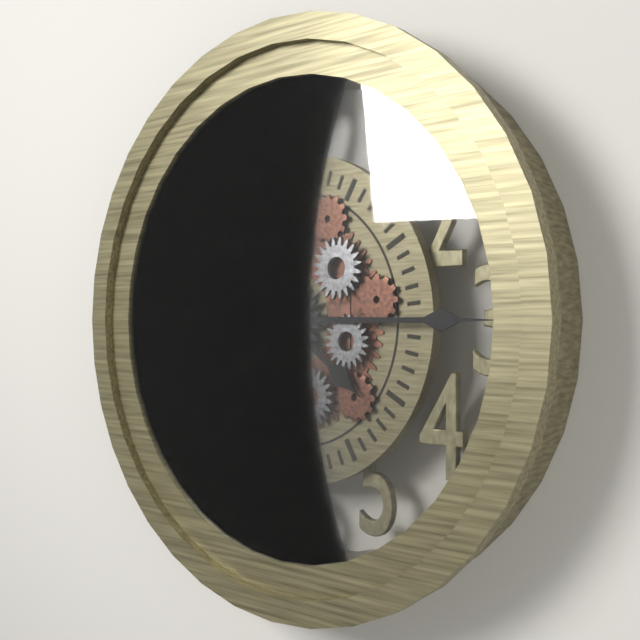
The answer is 4:15
